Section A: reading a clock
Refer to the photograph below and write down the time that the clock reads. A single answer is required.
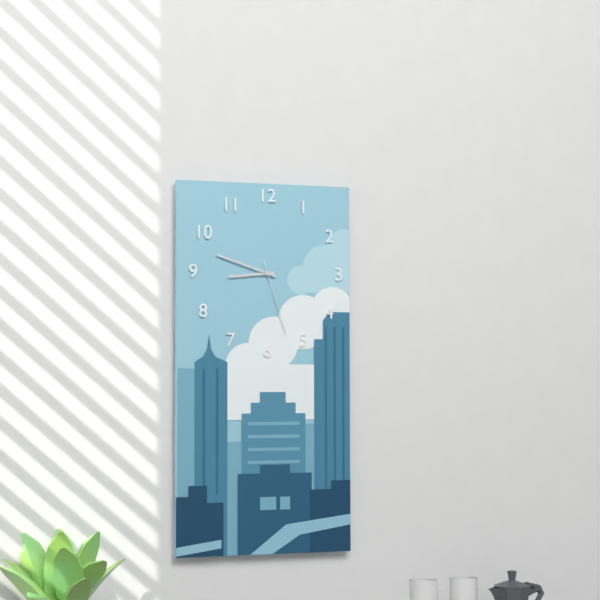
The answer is 8:48:27
